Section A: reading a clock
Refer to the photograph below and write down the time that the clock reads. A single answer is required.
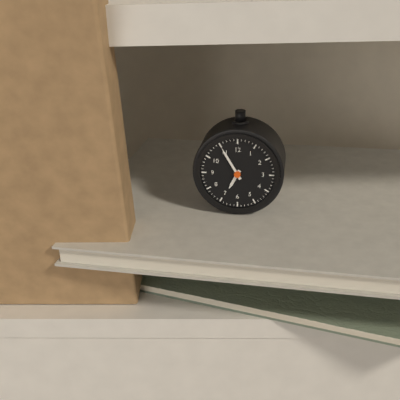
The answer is 6:55
